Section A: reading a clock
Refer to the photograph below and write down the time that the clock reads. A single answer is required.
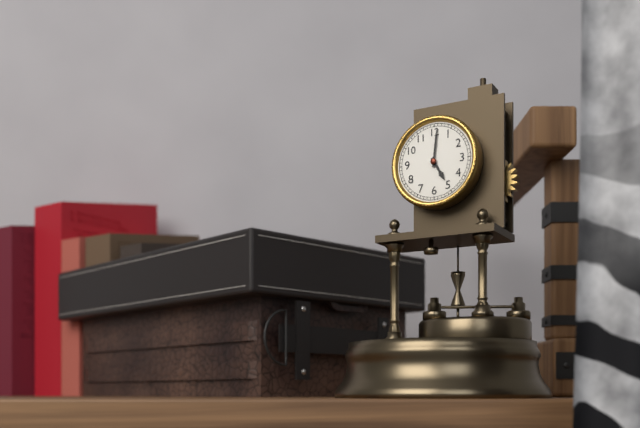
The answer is 5:01
